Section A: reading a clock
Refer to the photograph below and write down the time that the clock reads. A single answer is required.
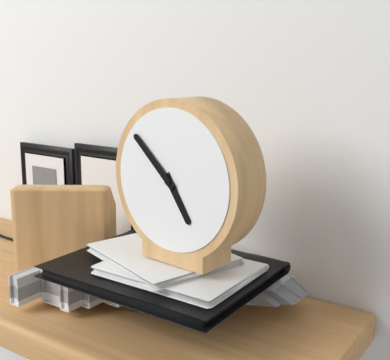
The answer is 4:52
